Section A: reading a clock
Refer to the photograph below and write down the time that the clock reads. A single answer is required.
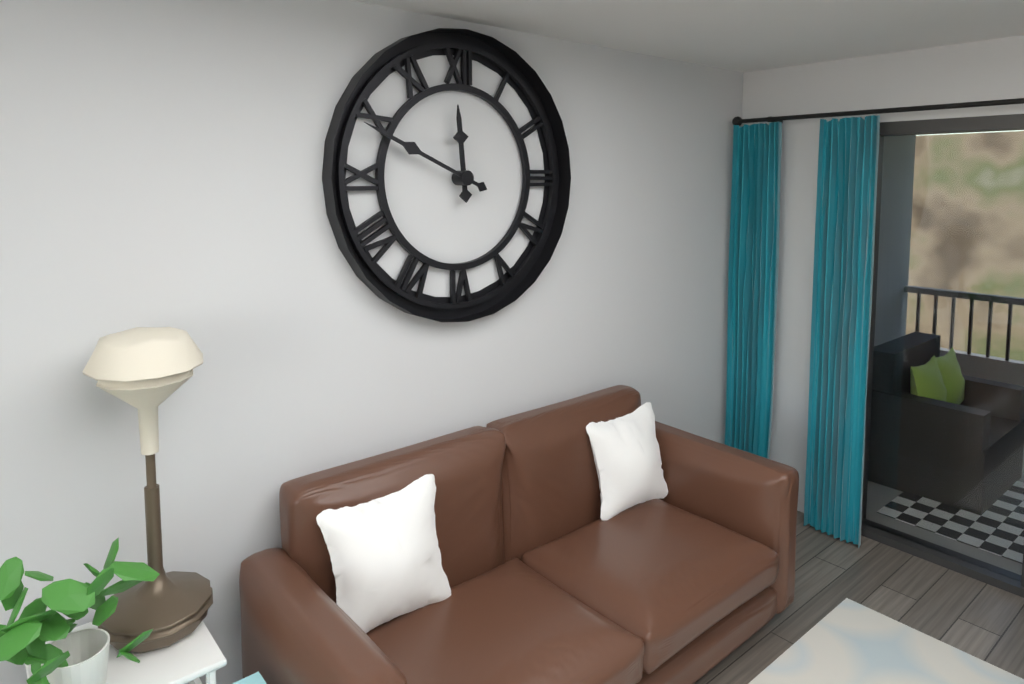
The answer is 11:49
